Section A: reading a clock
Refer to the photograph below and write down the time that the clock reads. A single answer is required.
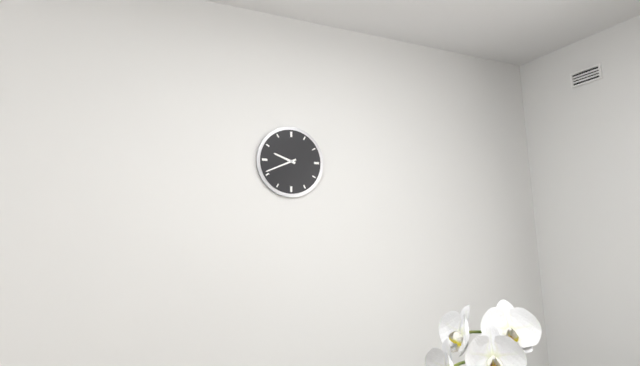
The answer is 9:41
